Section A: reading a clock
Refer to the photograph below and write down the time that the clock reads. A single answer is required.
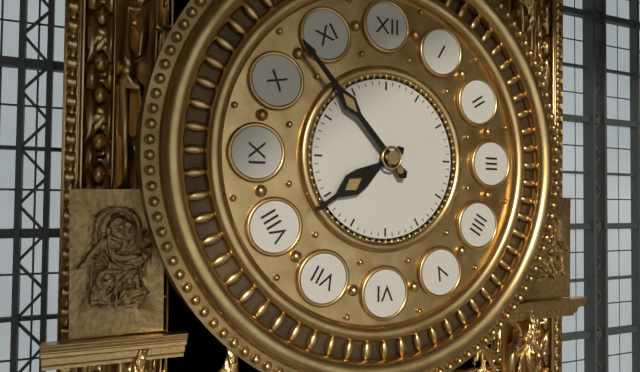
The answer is 7:53
